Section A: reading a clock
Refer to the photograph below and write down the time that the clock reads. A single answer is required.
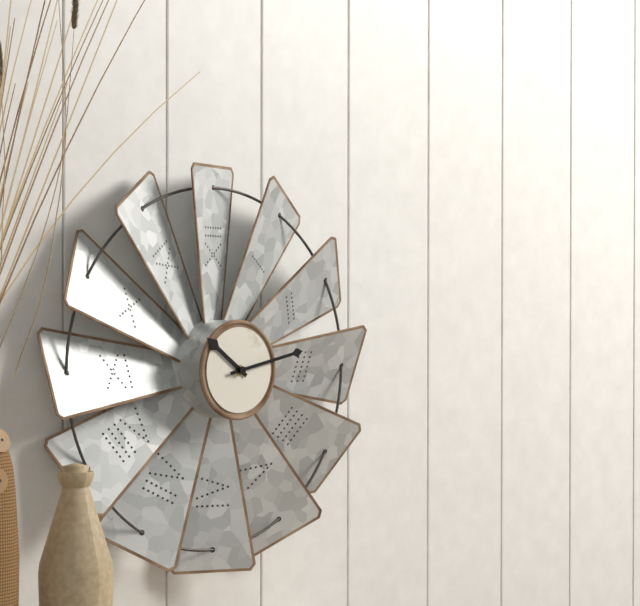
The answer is 10:13
